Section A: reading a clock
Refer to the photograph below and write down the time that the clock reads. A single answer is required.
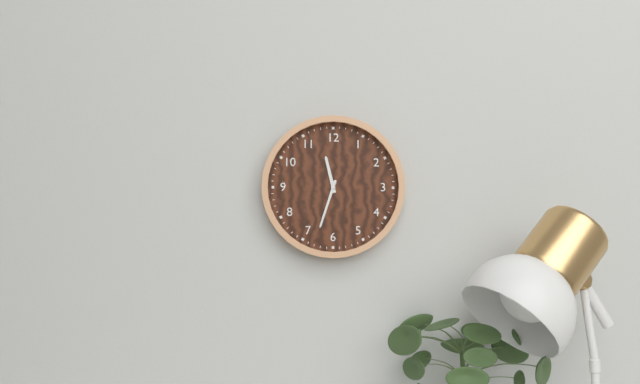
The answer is 11:33
